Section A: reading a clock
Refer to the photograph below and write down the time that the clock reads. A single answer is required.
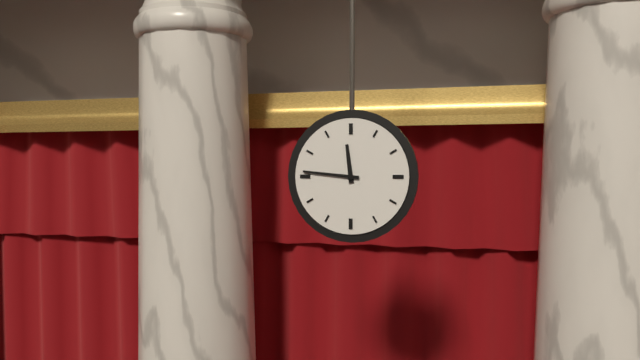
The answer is 11:46
